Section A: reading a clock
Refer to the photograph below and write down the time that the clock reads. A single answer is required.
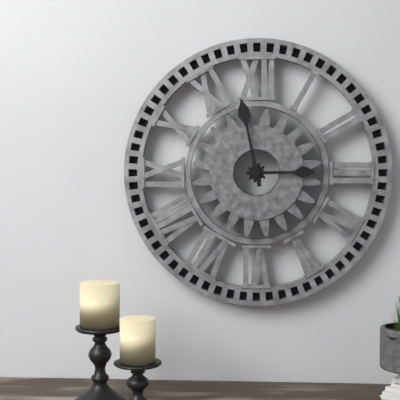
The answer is 2:58
